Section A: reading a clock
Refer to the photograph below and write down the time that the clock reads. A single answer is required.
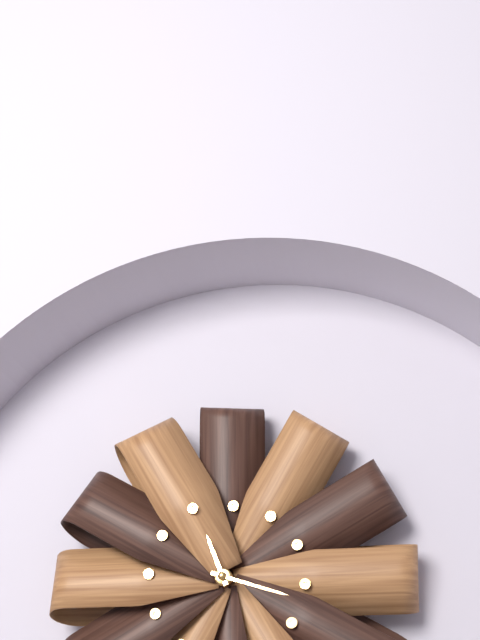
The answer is 11:18
